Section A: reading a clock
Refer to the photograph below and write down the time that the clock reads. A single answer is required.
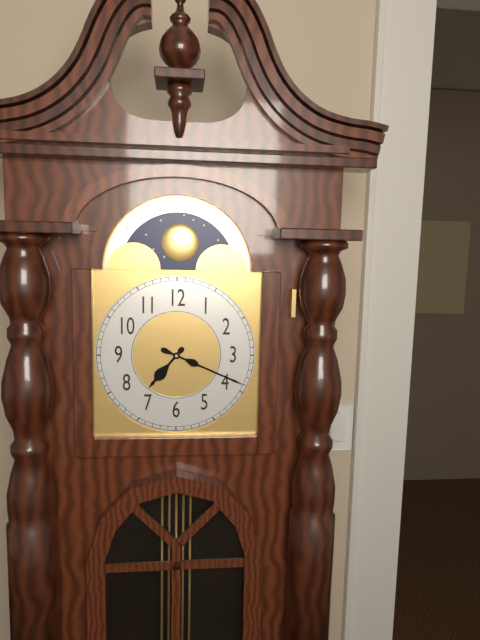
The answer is 7:19
